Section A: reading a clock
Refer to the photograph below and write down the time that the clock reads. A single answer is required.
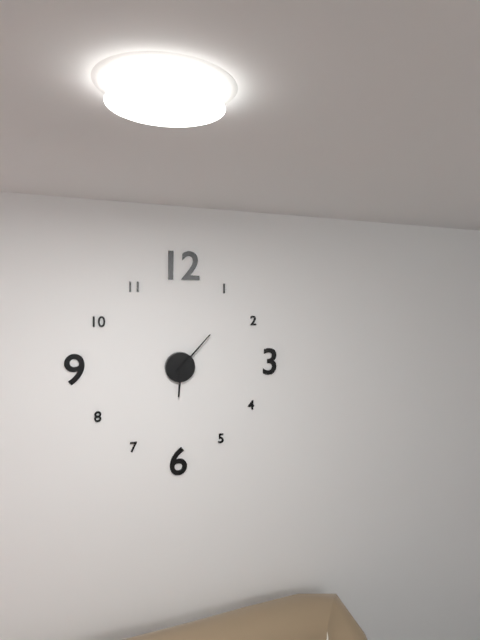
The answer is 6:07
